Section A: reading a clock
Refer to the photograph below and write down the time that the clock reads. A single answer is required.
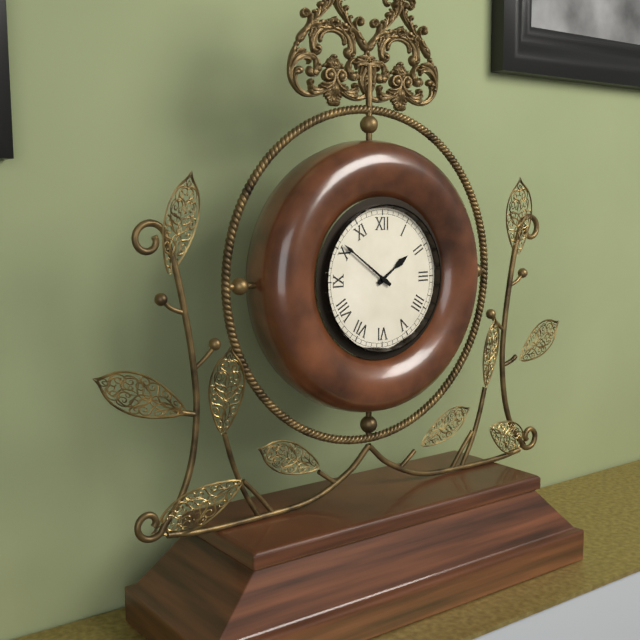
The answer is 1:51
